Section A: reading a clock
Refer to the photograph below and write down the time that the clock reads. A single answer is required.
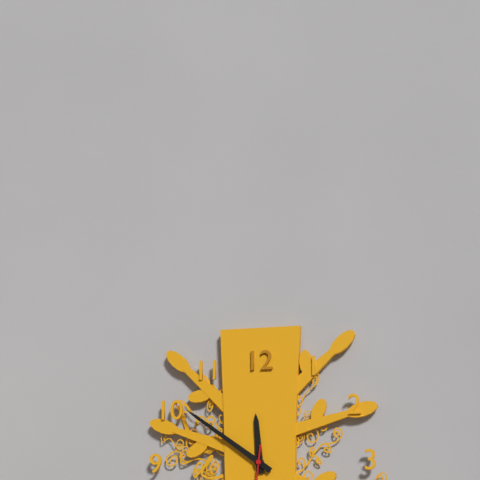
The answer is 11:51
